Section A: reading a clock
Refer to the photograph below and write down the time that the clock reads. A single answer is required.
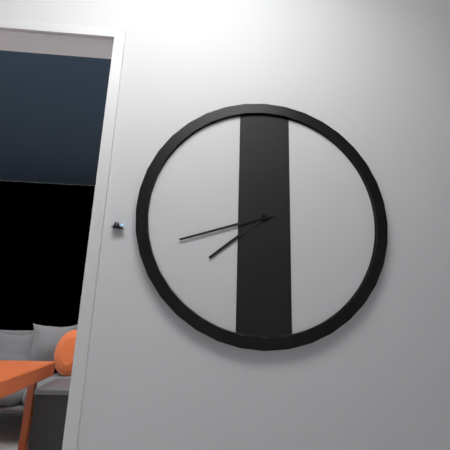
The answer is 7:42
